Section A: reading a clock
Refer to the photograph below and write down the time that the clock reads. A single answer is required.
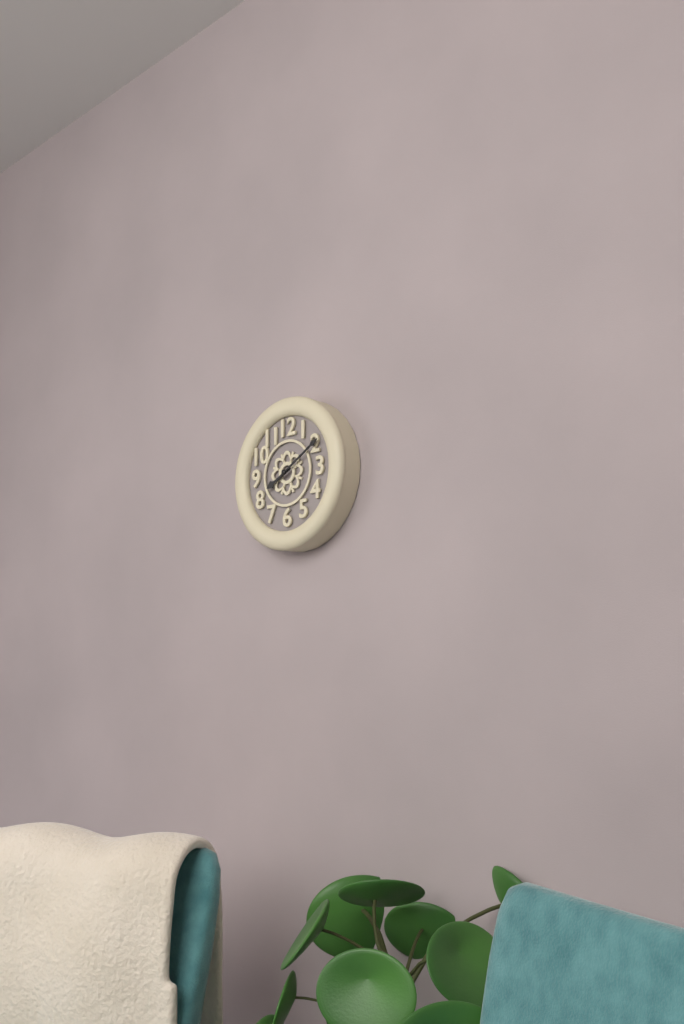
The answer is 8:10
